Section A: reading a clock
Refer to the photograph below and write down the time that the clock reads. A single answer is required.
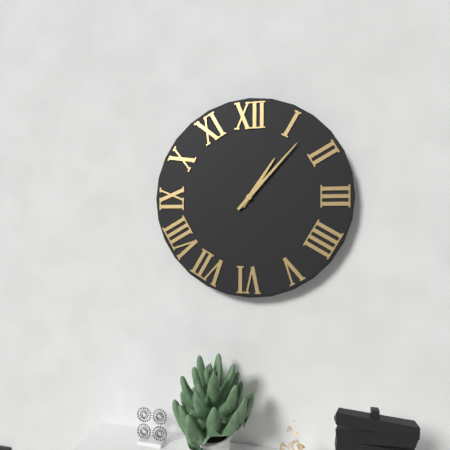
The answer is 1:07
